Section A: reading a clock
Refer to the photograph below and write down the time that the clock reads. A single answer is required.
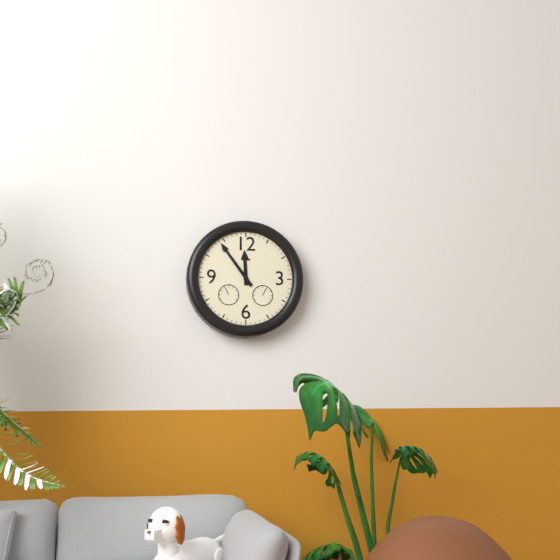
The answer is 11:54
